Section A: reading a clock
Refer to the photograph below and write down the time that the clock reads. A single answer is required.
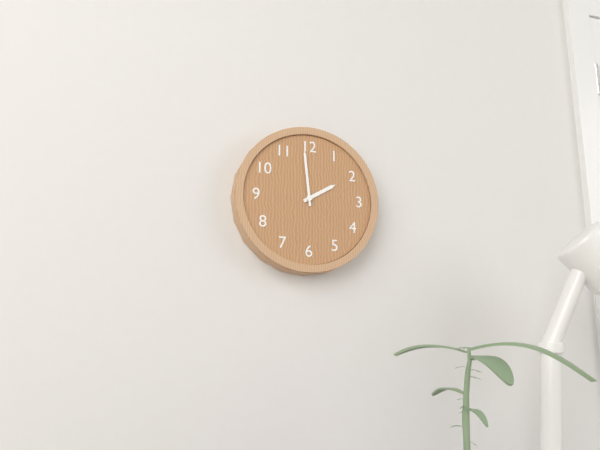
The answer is 1:59
